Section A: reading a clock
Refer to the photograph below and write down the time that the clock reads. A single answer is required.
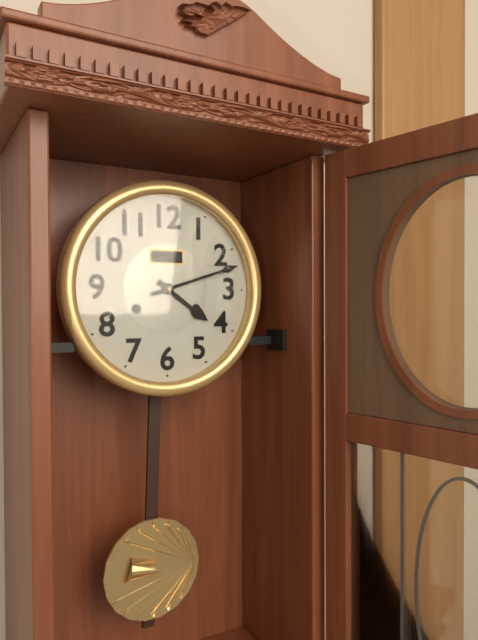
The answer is 4:12
